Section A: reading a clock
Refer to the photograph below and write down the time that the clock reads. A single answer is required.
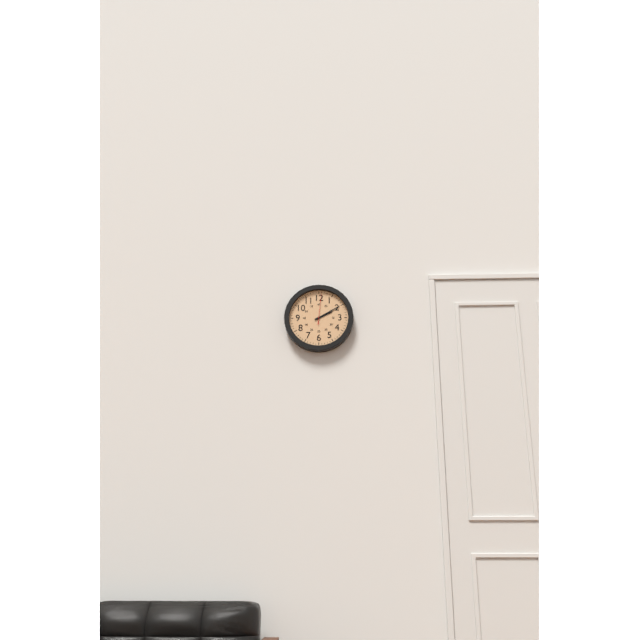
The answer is 2:10
